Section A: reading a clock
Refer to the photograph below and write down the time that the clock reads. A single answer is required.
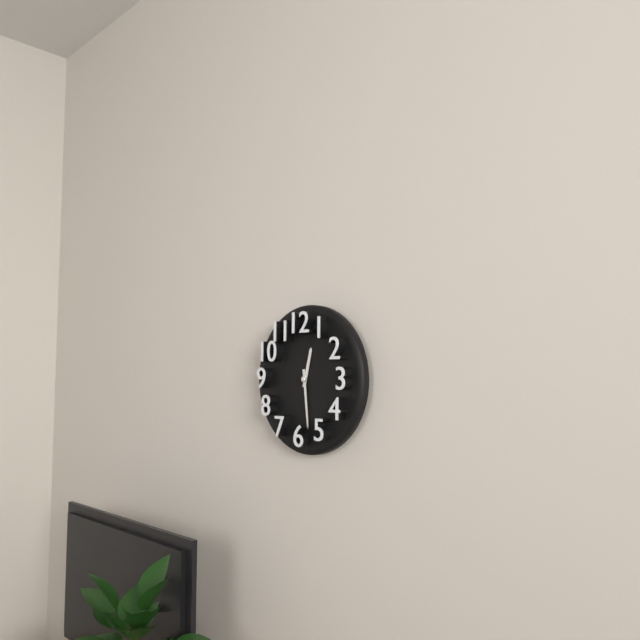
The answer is 12:29
